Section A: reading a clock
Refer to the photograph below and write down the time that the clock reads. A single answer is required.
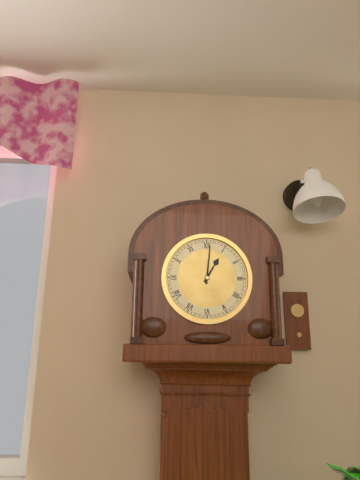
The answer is 1:01
